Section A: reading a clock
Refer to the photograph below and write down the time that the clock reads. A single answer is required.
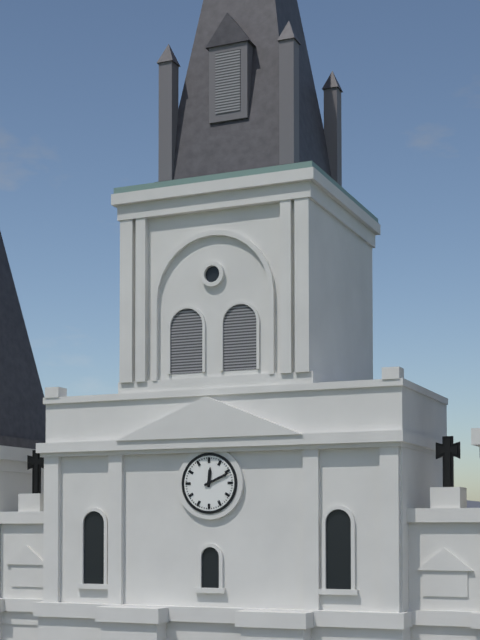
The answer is 12:11
